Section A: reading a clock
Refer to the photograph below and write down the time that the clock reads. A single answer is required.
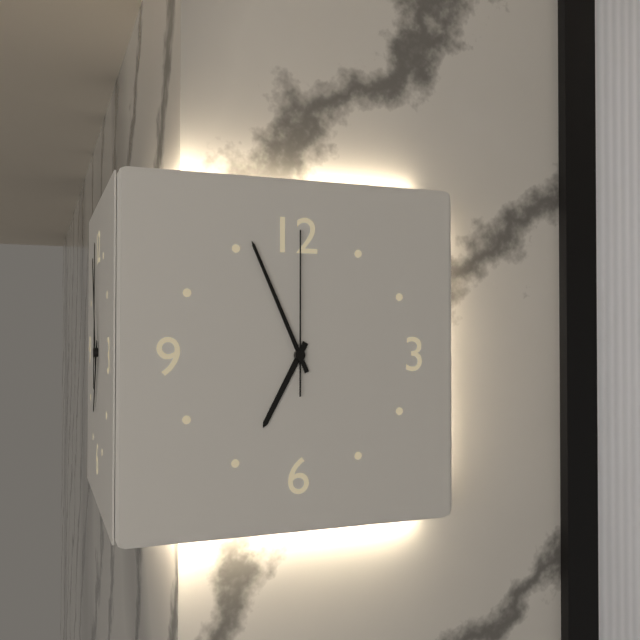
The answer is 6:56:00
